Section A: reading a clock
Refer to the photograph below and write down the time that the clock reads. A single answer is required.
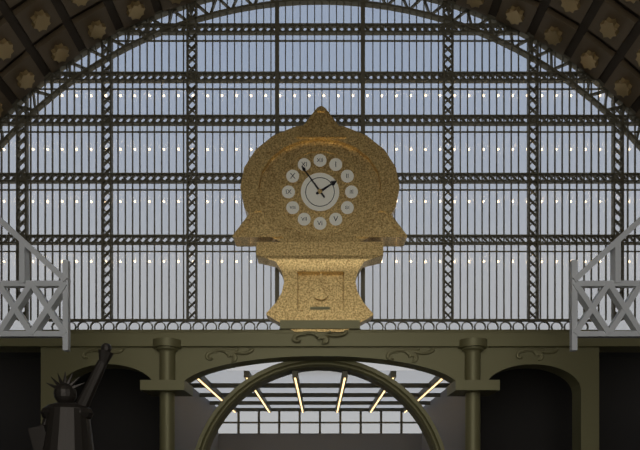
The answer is 1:54
